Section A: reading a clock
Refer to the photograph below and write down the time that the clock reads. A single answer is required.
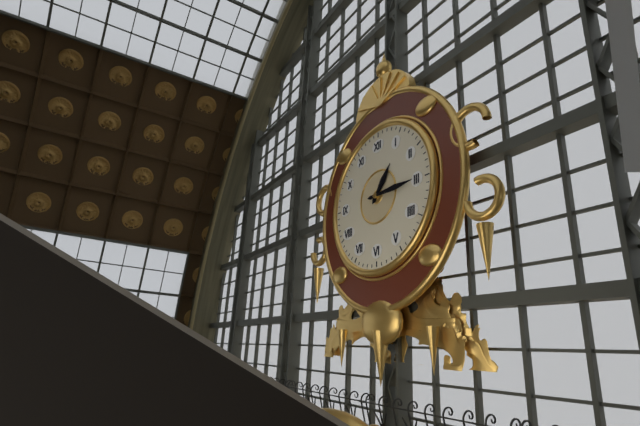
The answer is 1:15
